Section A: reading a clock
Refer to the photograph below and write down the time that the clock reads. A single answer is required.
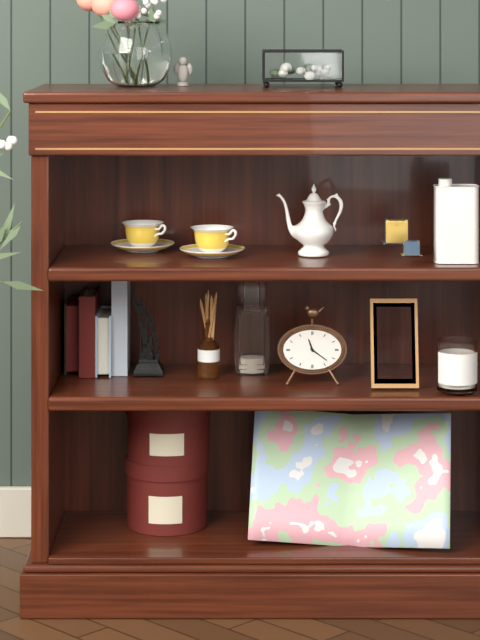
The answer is 11:21
